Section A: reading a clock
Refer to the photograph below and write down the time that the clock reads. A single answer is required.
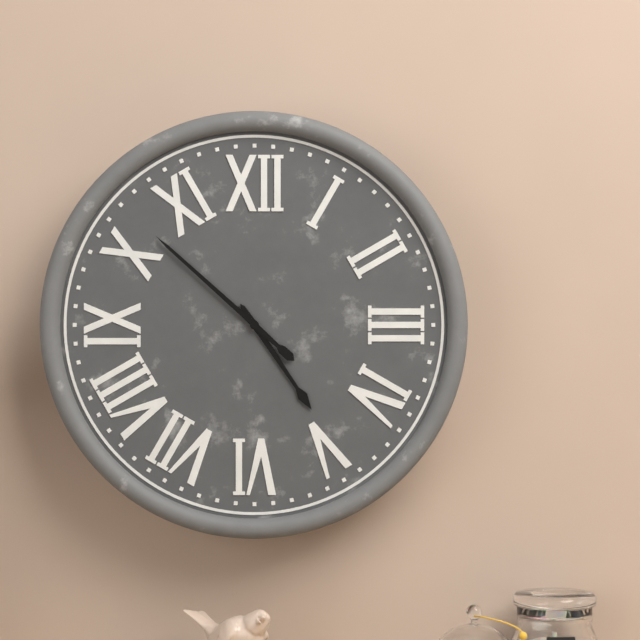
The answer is 4:52
